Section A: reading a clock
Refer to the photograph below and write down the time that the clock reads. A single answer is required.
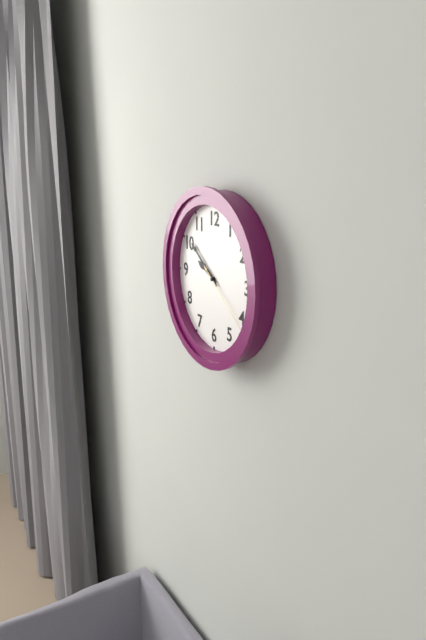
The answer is 9:51:21
